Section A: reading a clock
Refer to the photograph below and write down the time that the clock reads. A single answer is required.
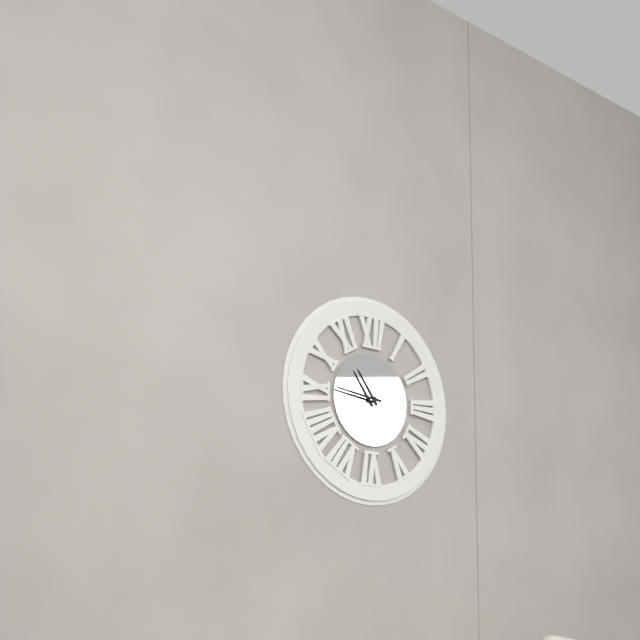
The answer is 10:46
